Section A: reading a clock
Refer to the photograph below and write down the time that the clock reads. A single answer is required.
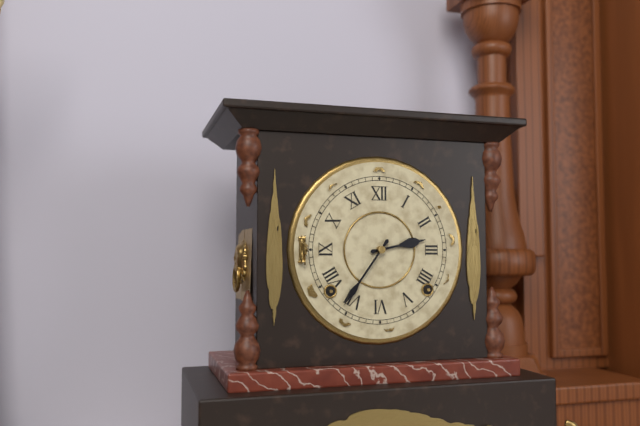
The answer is 2:36
